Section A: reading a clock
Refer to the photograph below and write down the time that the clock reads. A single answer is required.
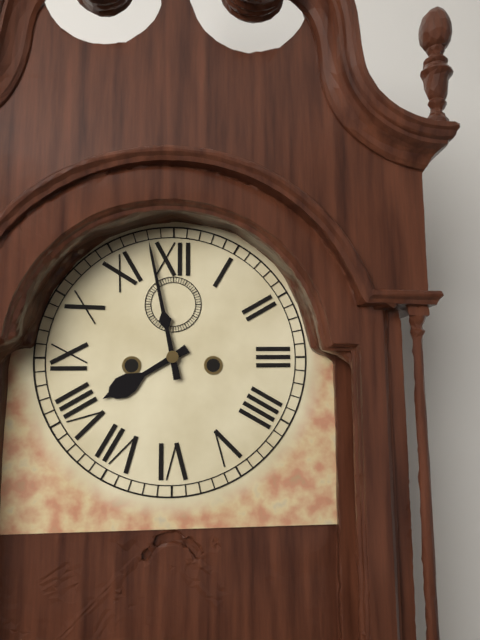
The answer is 7:58
